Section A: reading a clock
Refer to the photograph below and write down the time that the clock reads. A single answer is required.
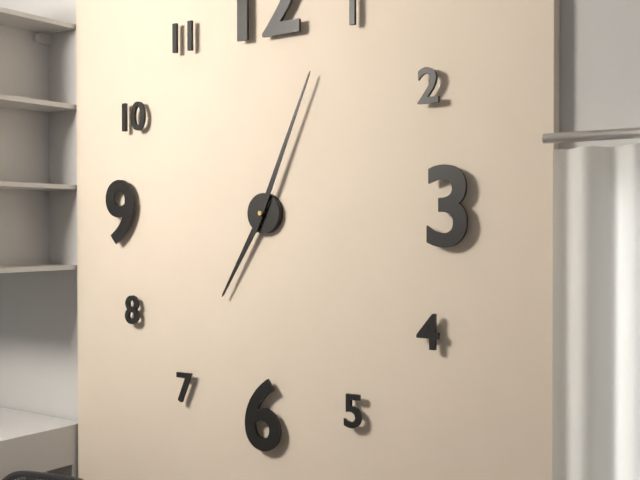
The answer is 7:04
